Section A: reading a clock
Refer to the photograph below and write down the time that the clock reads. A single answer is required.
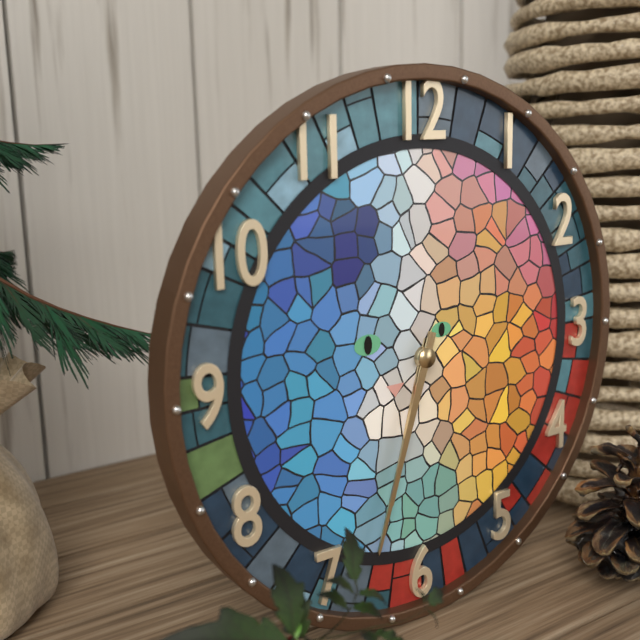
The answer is 6:33
